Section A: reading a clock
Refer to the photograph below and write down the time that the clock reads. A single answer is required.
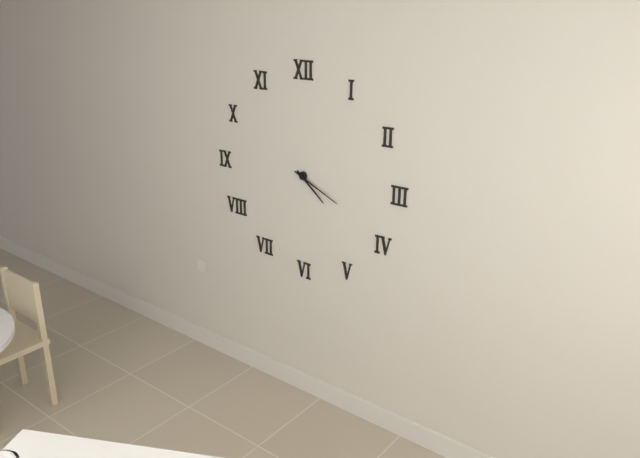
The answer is 4:19
